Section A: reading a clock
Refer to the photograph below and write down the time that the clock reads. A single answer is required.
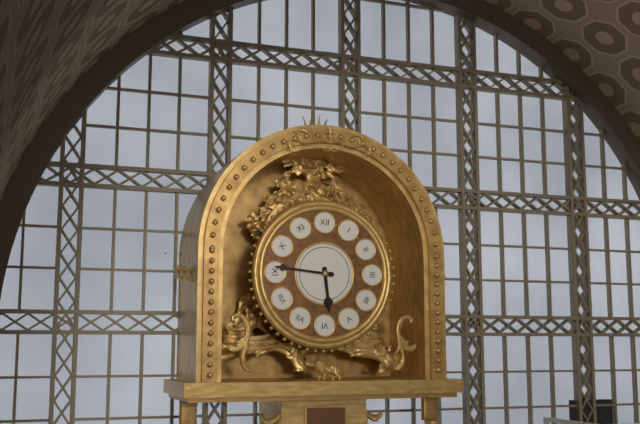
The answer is 5:46
